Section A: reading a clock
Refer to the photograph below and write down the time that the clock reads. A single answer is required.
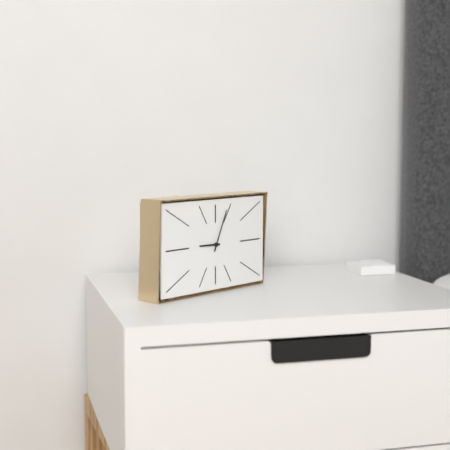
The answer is 9:04
